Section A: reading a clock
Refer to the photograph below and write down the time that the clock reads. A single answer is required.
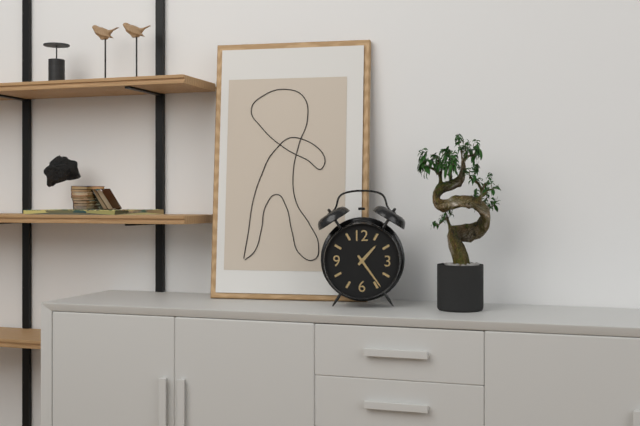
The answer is 1:24
